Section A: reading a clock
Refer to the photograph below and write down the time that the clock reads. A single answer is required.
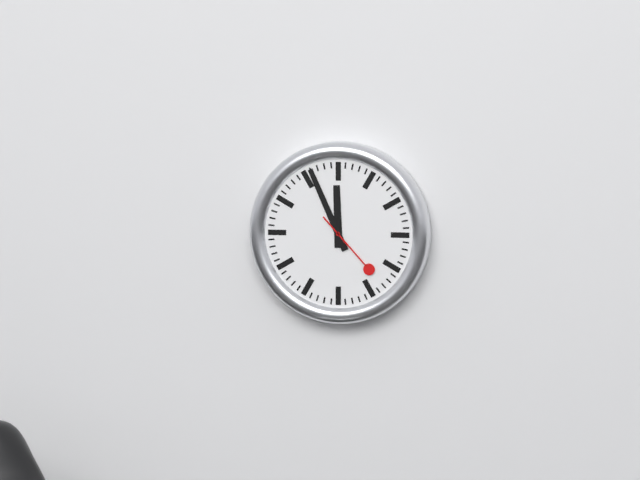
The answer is 11:56:23
